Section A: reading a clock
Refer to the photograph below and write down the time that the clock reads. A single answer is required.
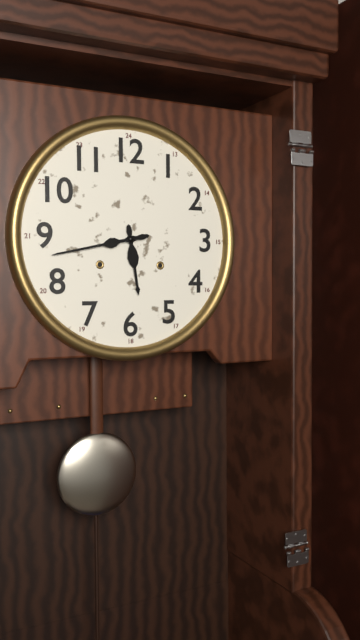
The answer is 5:43
